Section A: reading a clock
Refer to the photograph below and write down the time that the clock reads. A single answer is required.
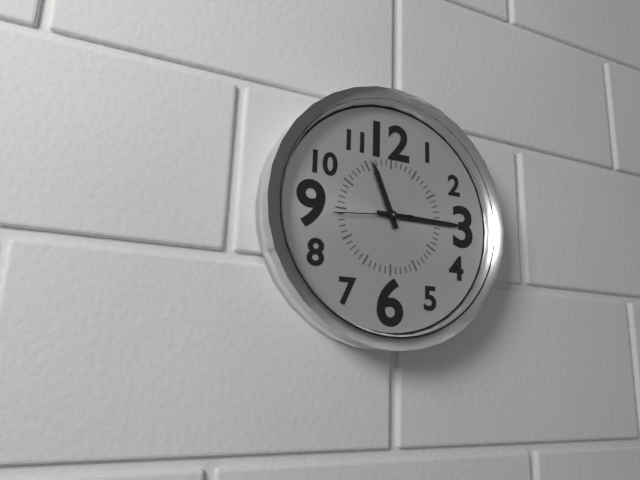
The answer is 11:15:44
